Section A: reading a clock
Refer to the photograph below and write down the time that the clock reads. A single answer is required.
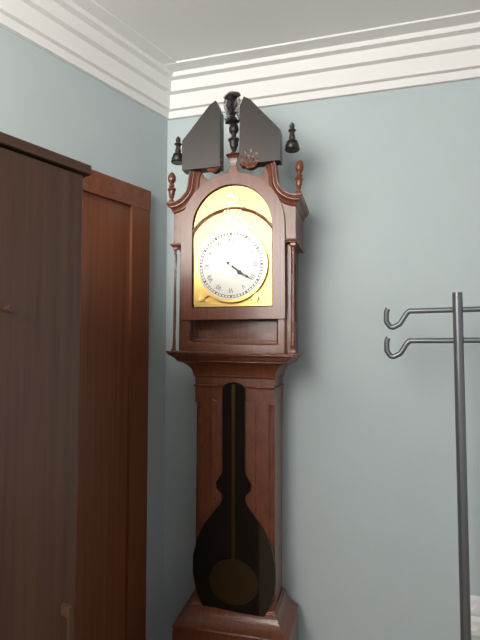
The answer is 4:21
